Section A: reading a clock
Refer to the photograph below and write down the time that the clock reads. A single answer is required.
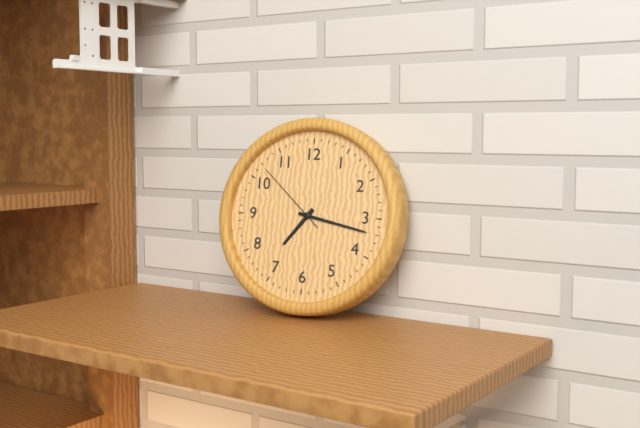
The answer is 7:17:52
